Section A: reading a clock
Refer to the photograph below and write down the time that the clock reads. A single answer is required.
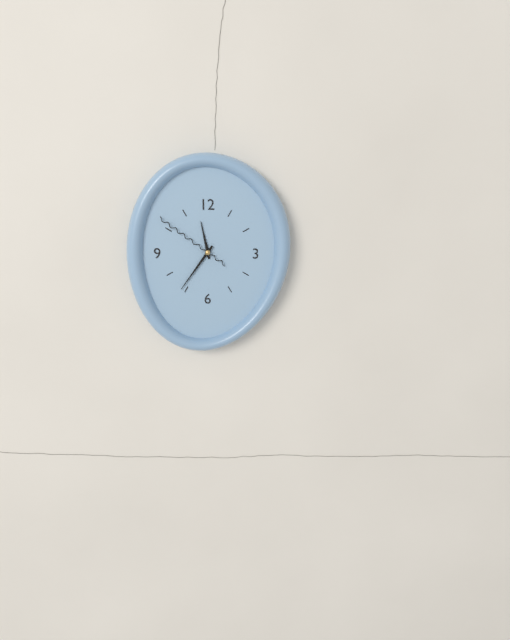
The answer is 11:36:51
